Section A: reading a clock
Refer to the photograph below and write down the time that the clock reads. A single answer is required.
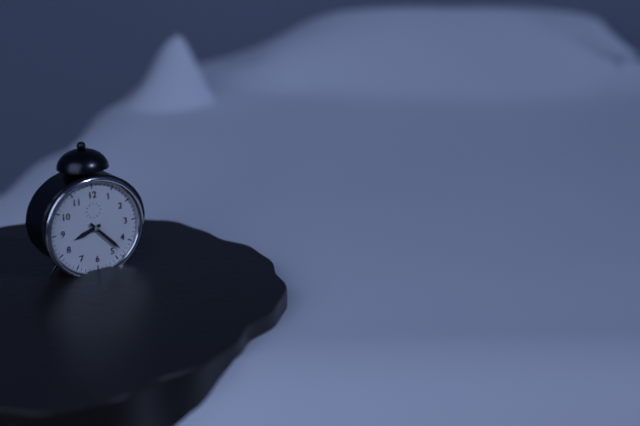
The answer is 8:23
